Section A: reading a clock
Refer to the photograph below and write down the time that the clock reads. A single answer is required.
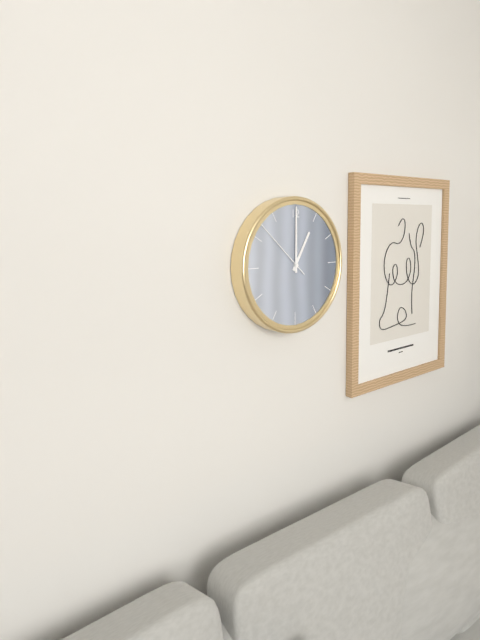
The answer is 1:00:52
